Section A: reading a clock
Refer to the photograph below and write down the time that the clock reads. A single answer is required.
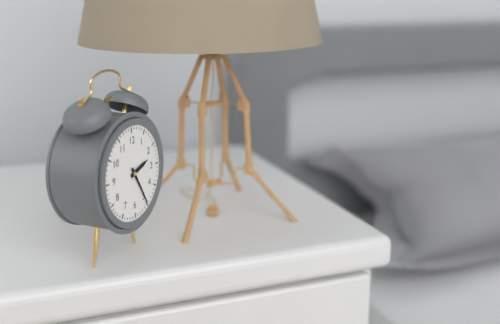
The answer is 2:25
